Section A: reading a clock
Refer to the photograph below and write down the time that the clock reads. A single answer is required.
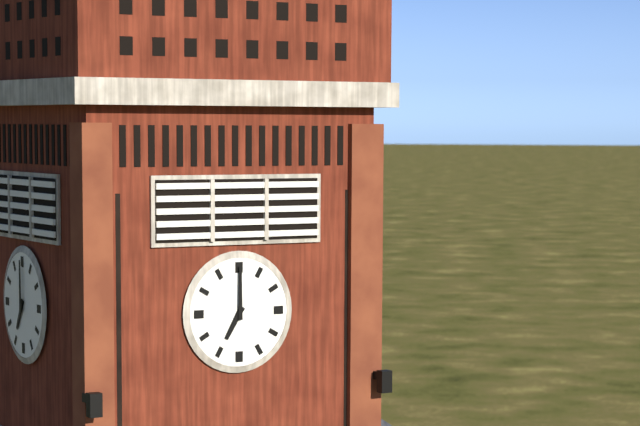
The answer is 7:00
